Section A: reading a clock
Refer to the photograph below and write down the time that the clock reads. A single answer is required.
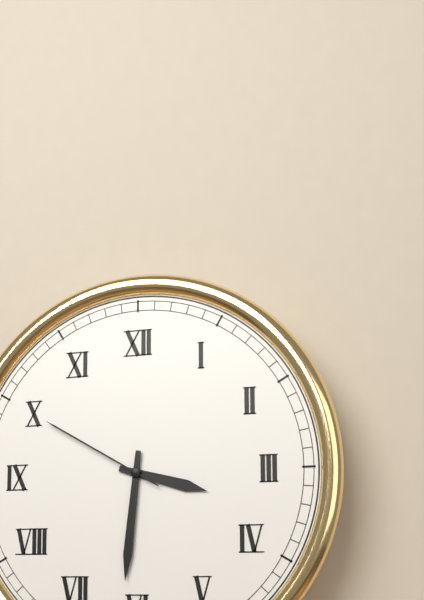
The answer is 3:31:50
